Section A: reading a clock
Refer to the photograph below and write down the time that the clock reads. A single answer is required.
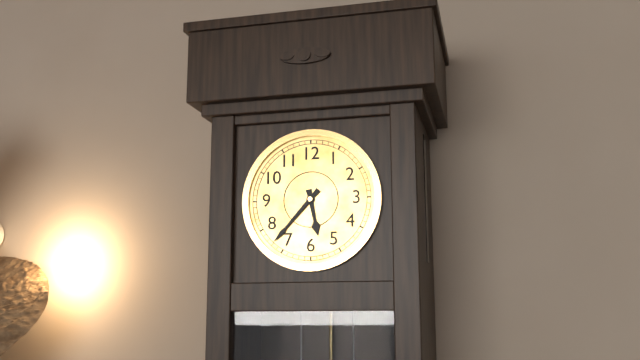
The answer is 5:37
